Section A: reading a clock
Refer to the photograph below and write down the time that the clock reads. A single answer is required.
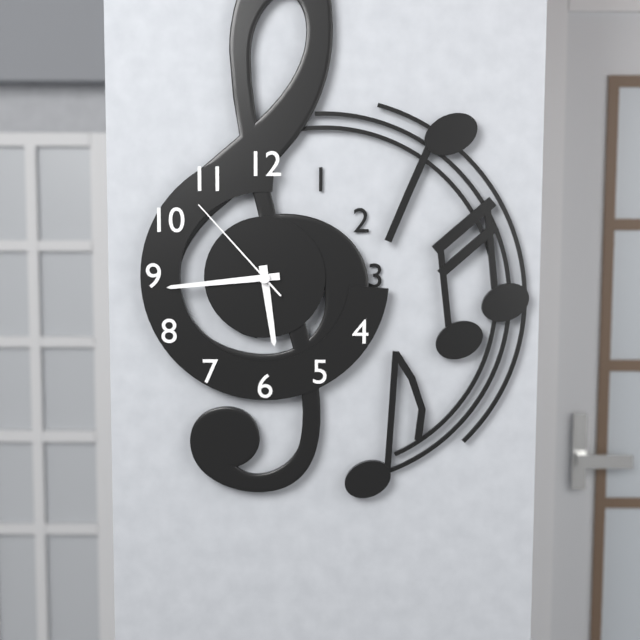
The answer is 5:44:53
